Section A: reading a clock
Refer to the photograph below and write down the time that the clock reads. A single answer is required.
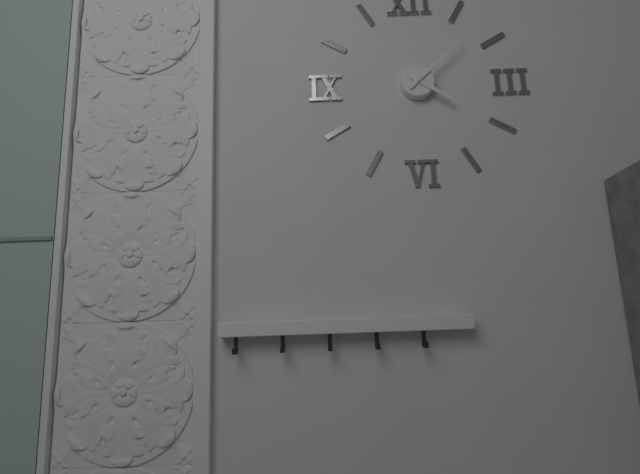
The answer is 4:08
